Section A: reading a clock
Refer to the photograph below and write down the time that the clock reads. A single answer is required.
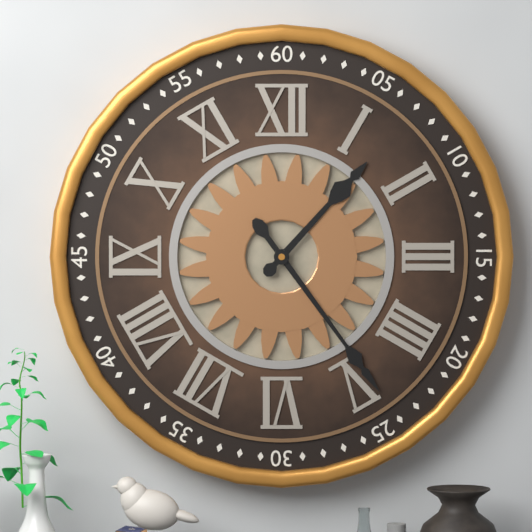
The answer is 1:24
